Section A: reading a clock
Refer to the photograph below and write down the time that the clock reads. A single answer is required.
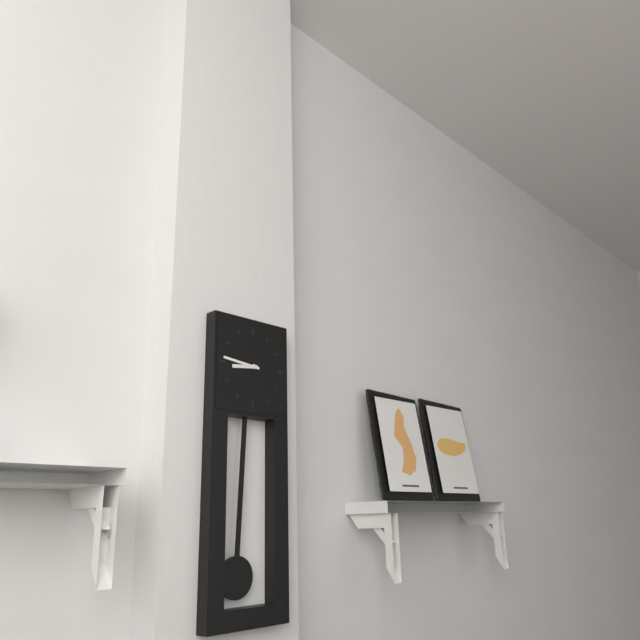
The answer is 8:46
